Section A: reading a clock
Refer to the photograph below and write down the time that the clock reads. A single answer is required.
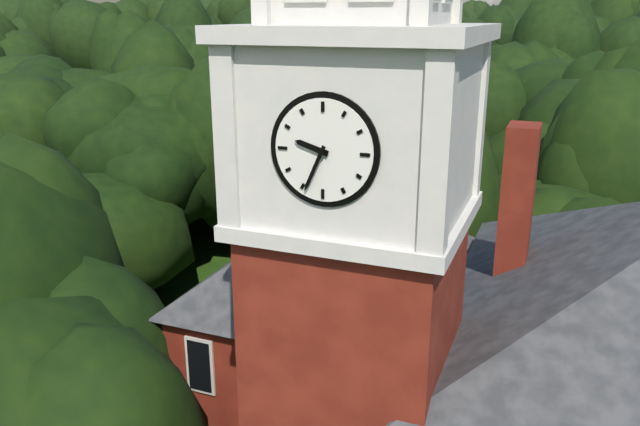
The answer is 9:34
